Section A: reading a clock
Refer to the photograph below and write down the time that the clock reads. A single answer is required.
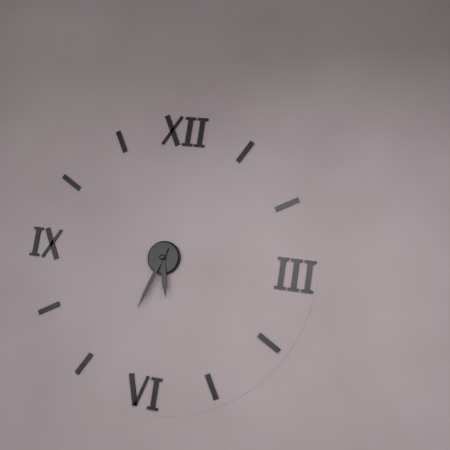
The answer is 5:33
